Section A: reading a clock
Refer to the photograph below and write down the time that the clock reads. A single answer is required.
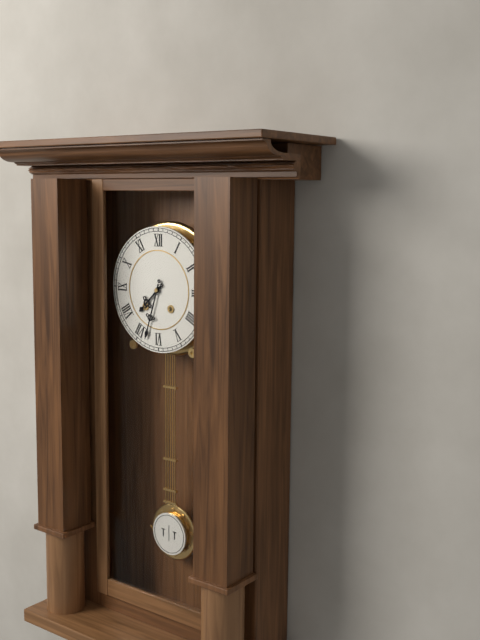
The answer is 7:33
